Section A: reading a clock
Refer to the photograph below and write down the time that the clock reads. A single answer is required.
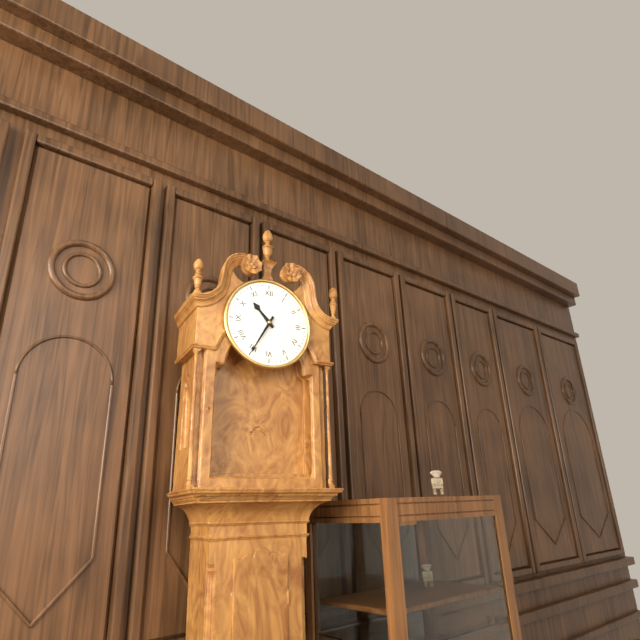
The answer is 10:35
